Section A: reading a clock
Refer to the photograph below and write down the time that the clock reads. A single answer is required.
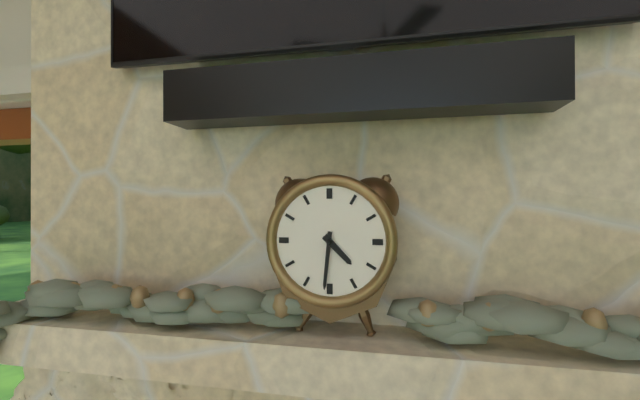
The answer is 4:31
